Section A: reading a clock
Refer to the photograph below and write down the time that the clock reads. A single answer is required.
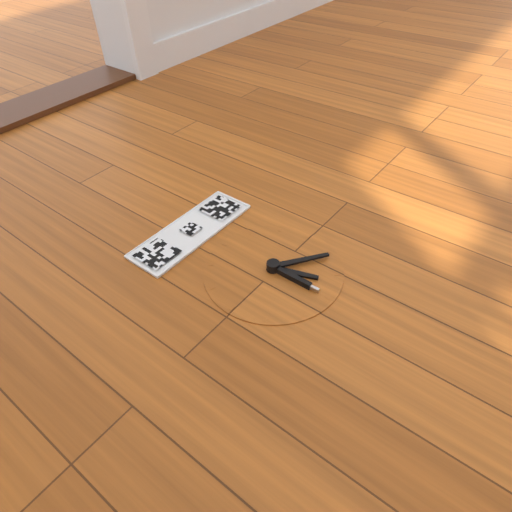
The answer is 5:21
